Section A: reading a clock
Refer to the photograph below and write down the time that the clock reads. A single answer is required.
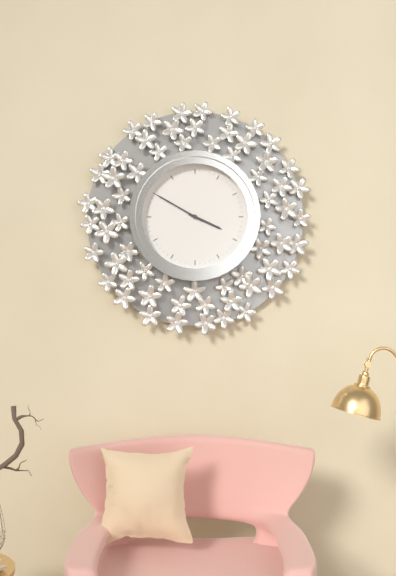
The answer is 3:50
